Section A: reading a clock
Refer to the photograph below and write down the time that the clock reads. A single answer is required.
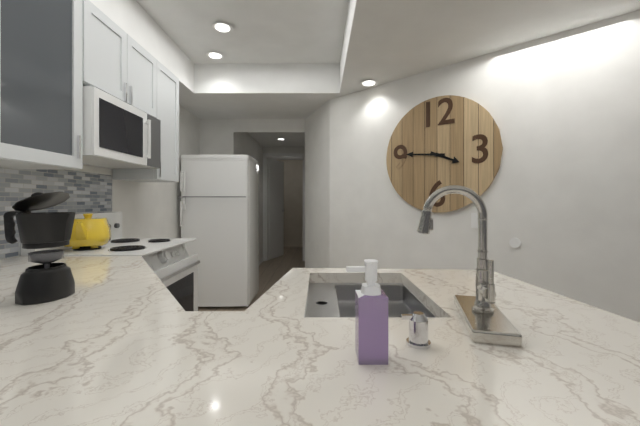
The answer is 3:46
